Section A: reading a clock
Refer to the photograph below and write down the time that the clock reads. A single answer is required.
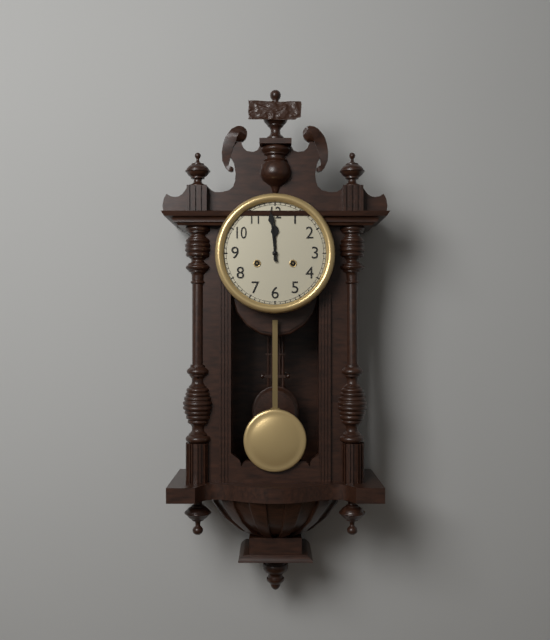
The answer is 11:59
